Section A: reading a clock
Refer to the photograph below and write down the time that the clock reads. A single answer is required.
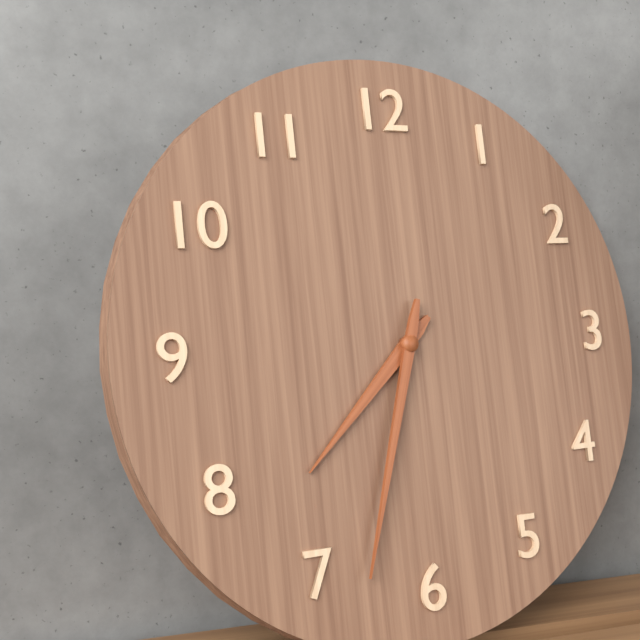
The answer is 7:33
